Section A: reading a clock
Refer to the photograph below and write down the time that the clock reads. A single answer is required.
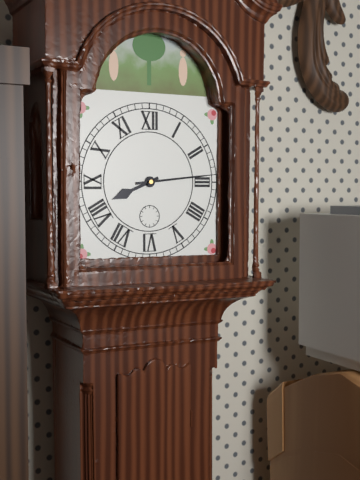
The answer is 8:14
